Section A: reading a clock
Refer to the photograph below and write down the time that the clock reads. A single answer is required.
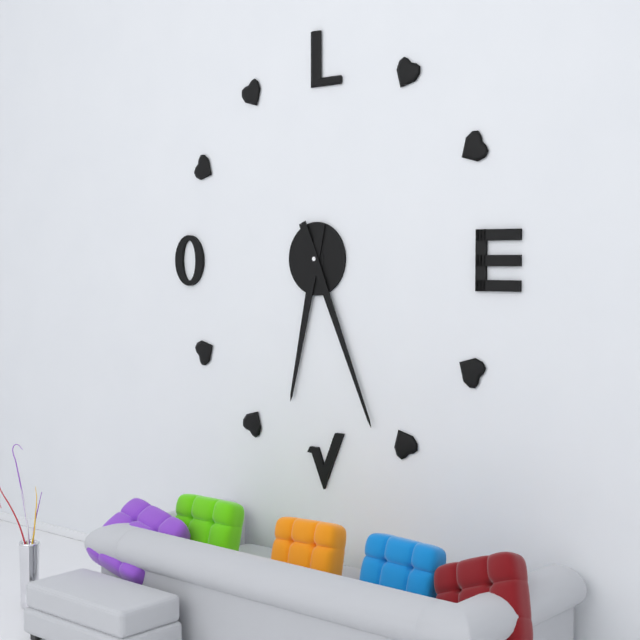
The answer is 6:26
